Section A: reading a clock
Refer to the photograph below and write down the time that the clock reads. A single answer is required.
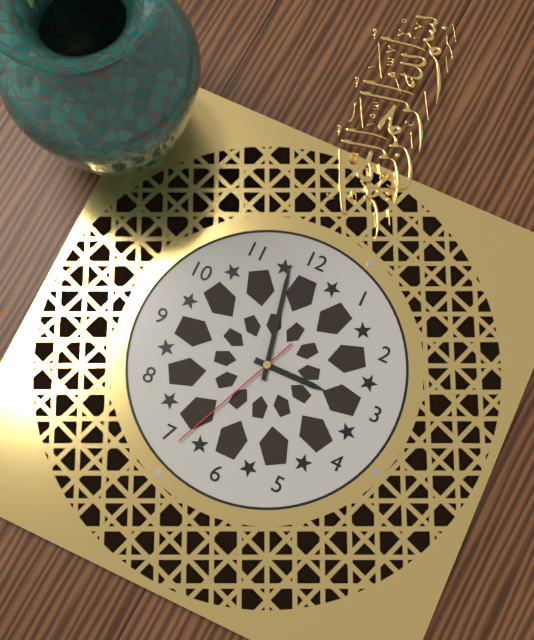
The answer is 2:58:34
